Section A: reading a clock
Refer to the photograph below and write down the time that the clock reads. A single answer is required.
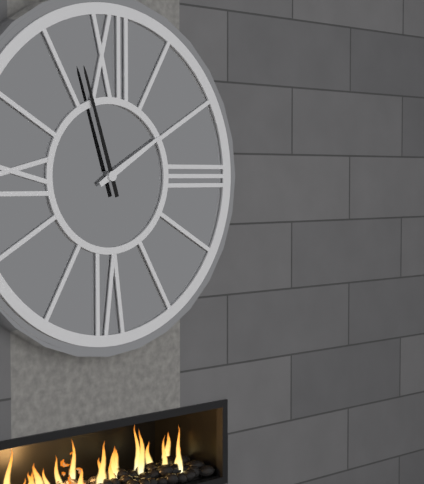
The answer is 1:57
